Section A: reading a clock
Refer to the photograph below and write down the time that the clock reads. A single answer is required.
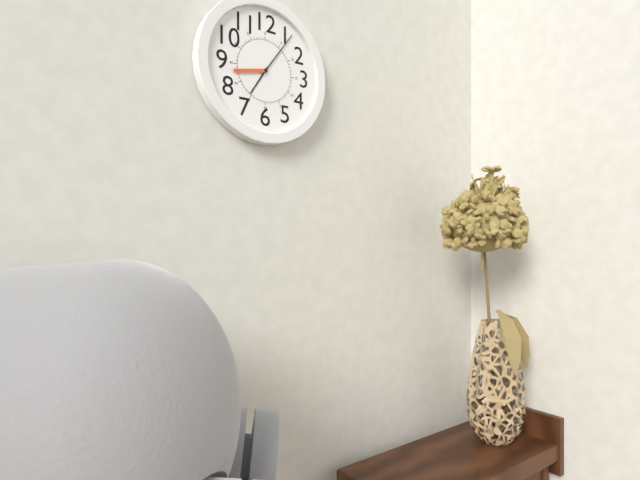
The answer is 7:06
